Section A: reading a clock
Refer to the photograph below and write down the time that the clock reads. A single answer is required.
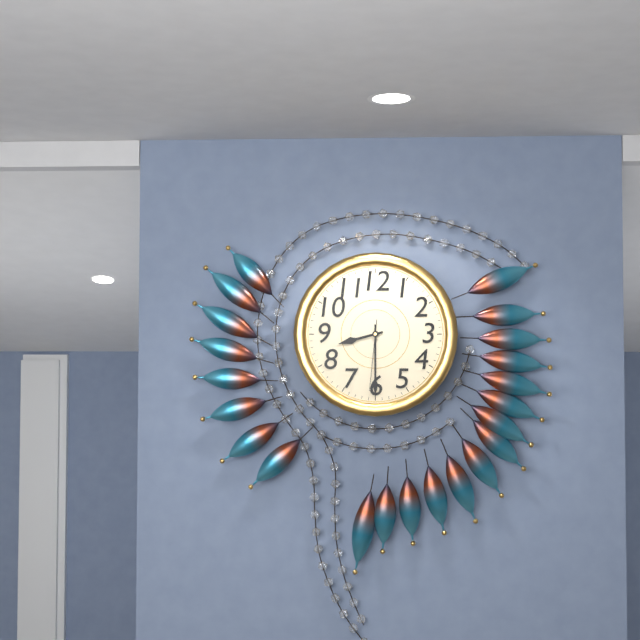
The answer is 8:30:31
